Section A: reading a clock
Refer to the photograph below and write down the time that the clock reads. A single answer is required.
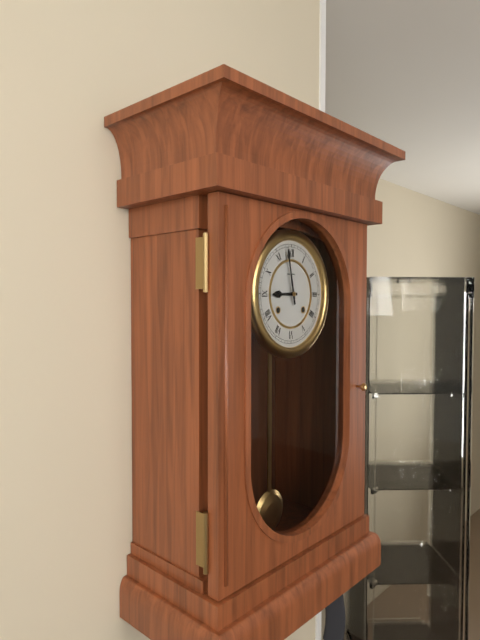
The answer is 8:58
